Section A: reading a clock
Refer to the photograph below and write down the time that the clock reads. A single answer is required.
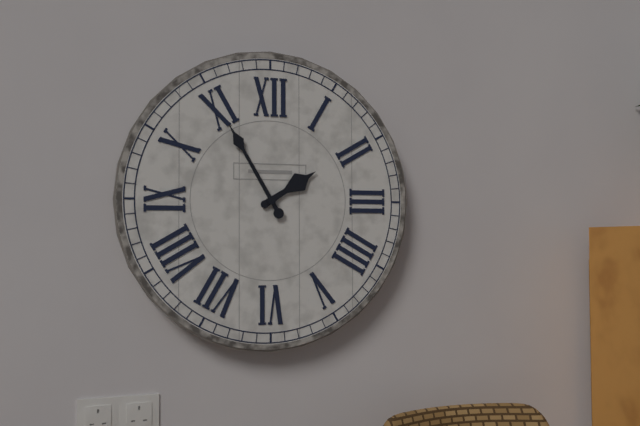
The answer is 1:55
